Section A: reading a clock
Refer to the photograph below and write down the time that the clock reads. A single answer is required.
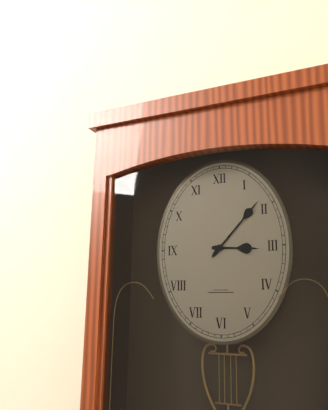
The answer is 3:07
